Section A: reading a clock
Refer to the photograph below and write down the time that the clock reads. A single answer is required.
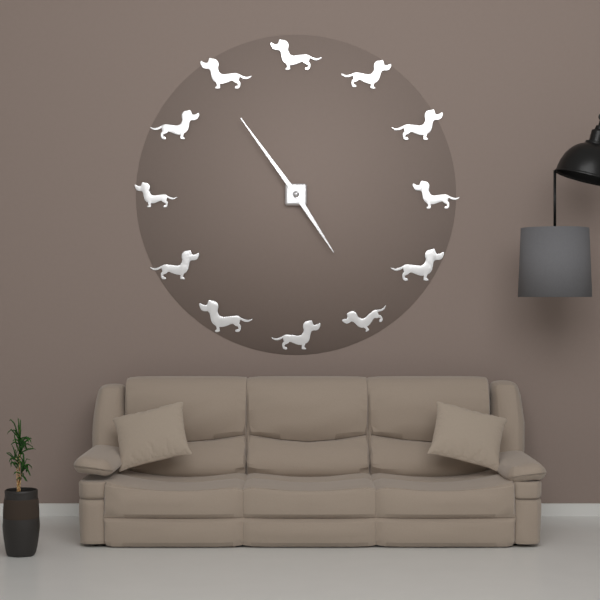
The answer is 4:54
